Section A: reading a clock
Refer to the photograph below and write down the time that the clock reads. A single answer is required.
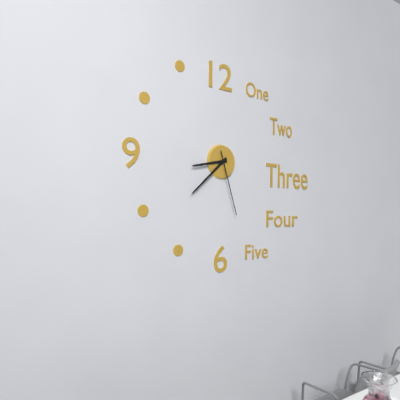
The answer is 8:38:27
